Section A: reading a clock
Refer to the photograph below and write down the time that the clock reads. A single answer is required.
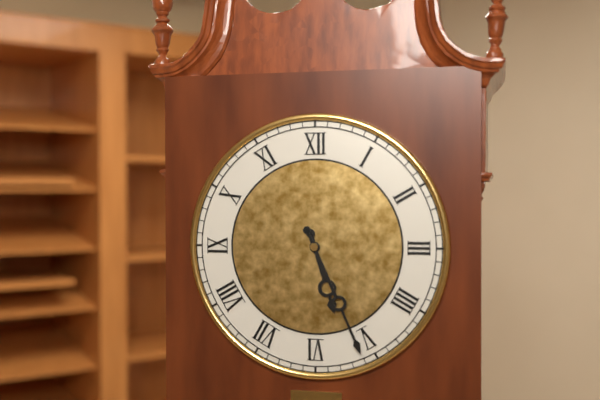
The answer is 5:26
